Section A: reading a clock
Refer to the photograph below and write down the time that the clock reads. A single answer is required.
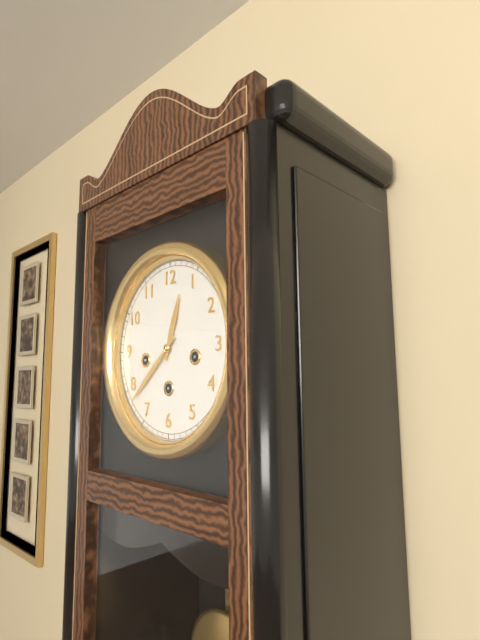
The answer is 12:38
